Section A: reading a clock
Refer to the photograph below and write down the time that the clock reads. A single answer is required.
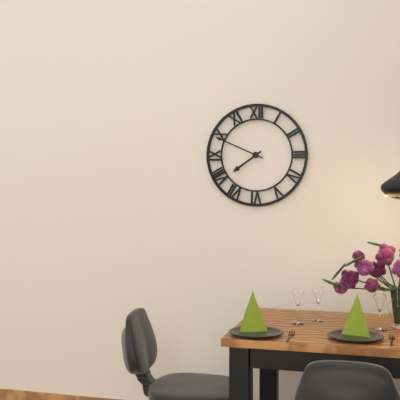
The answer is 7:49
